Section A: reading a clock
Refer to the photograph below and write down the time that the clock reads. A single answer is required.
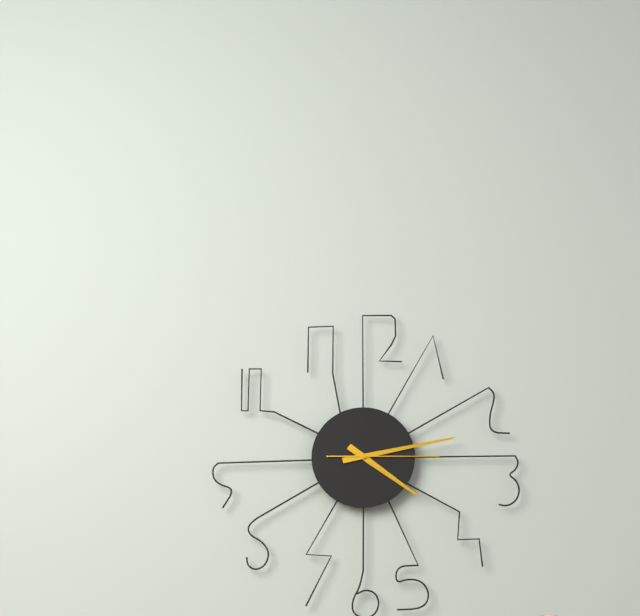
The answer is 4:13:15
